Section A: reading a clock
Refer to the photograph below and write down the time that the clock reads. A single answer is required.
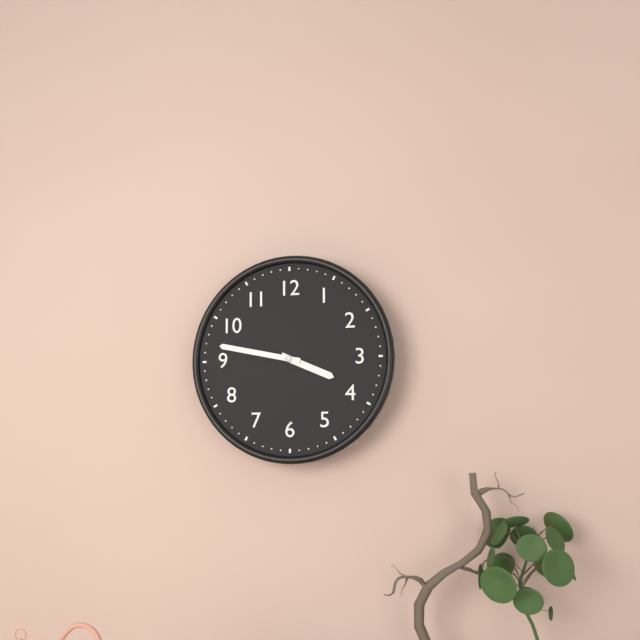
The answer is 3:47
